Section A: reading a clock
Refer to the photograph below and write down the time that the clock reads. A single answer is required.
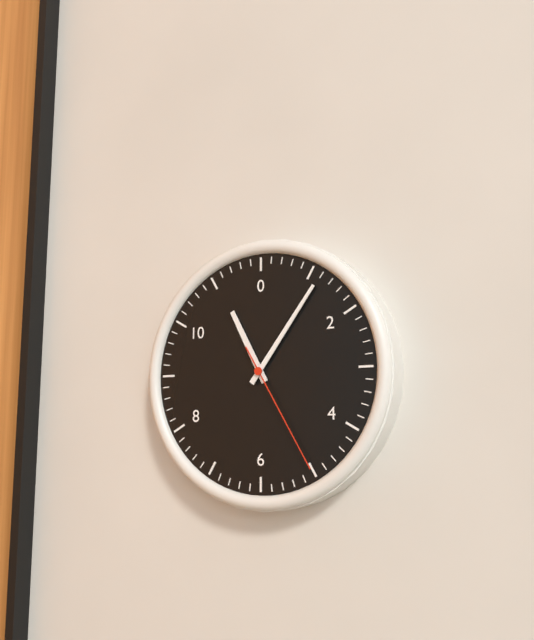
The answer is 11:06:25
